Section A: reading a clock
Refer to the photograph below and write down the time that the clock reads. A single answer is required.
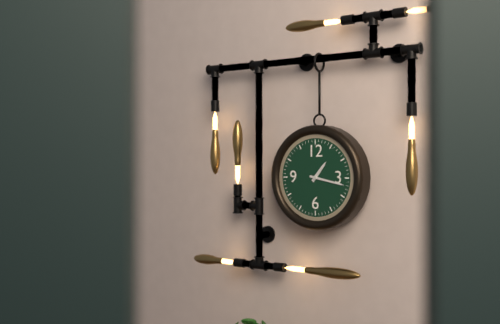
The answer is 1:17
